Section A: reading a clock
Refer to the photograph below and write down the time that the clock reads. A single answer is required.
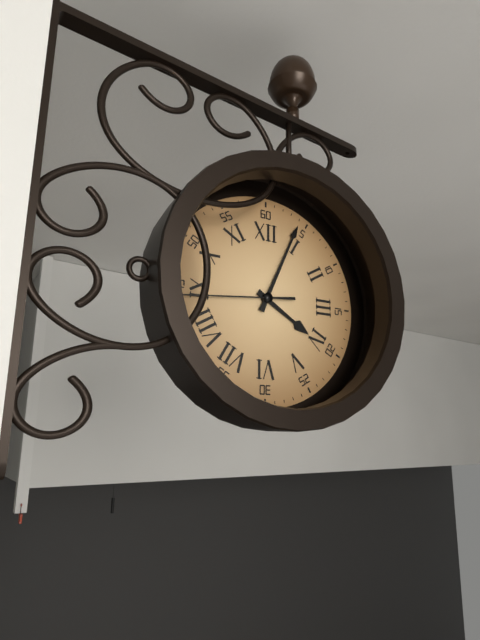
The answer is 4:04:44
